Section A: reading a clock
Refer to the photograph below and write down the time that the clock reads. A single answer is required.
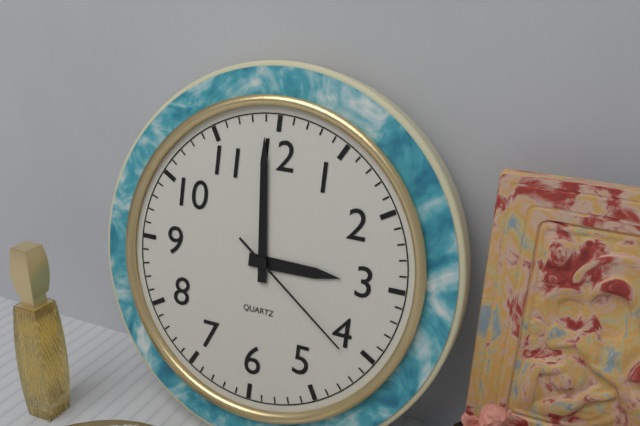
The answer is 2:59:21
